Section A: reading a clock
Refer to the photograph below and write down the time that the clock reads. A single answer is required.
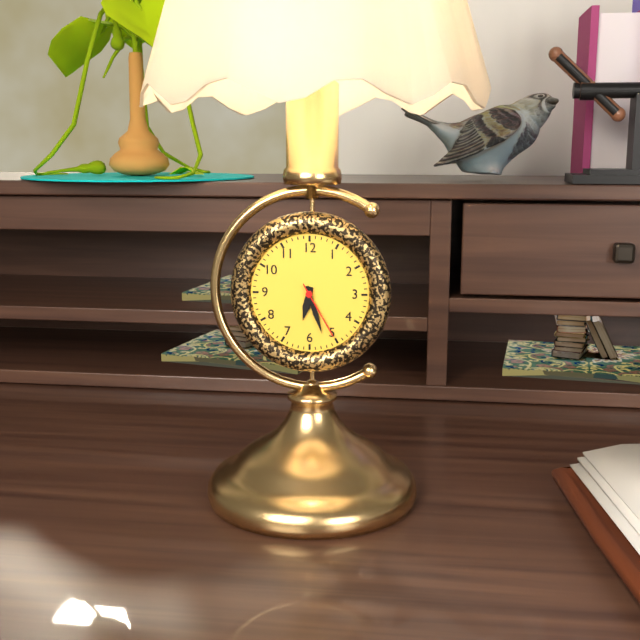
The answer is 6:27:25
